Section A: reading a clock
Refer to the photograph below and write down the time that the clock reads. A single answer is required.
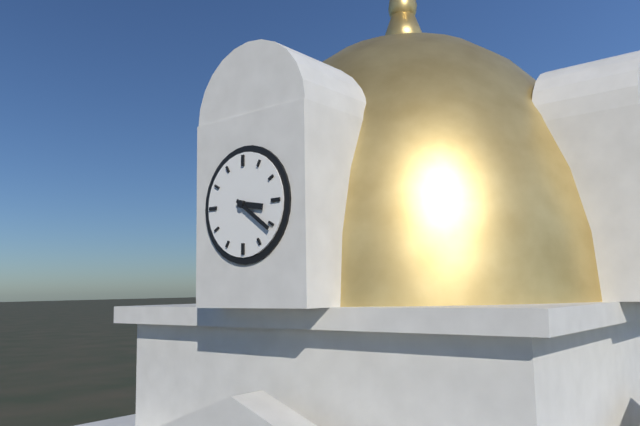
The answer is 3:21
